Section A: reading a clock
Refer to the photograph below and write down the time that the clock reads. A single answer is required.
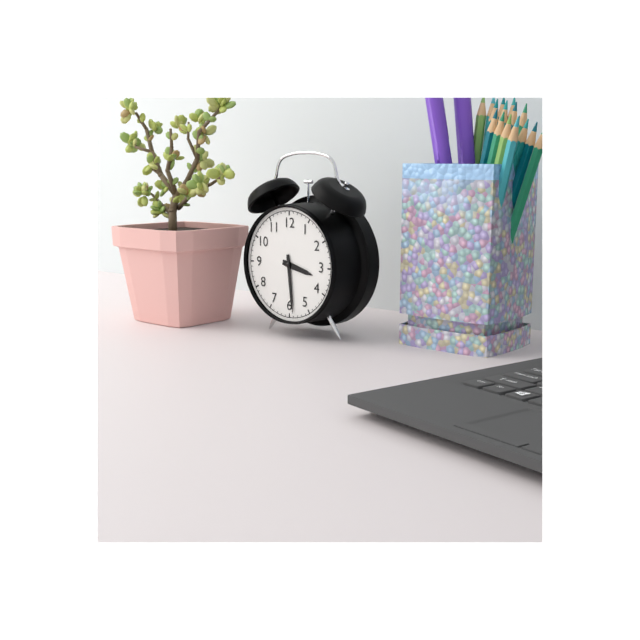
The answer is 3:29
